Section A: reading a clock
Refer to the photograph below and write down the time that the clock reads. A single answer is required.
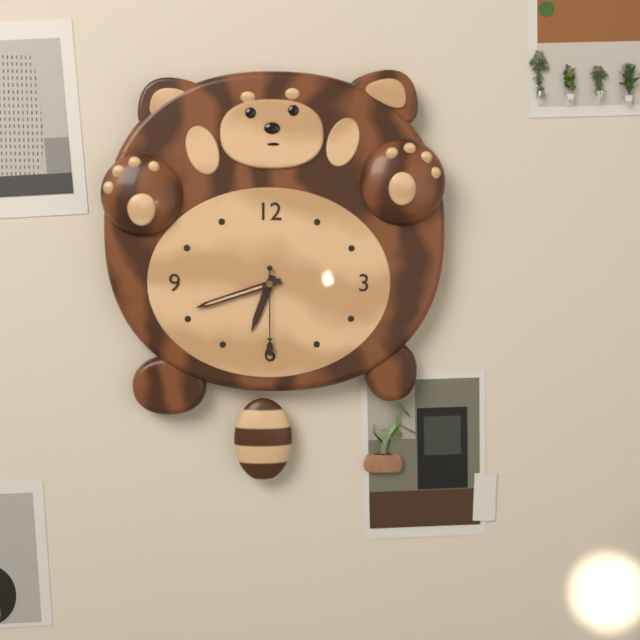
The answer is 6:42:30
